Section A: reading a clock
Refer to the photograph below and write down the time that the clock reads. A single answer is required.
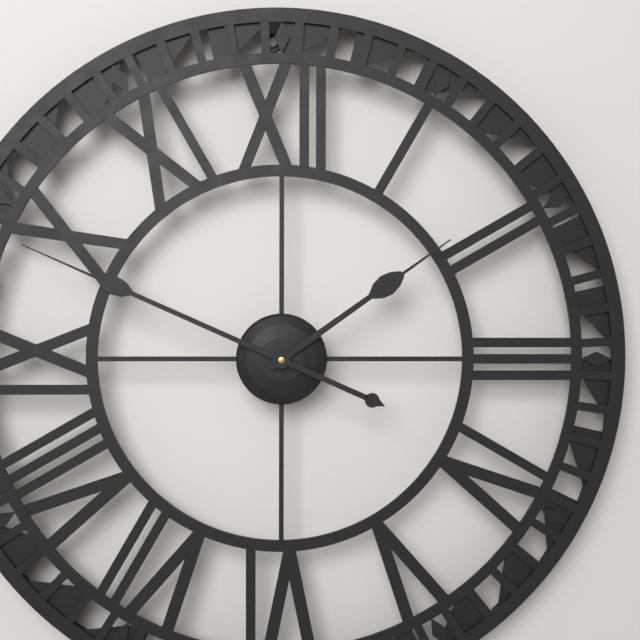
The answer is 1:49
